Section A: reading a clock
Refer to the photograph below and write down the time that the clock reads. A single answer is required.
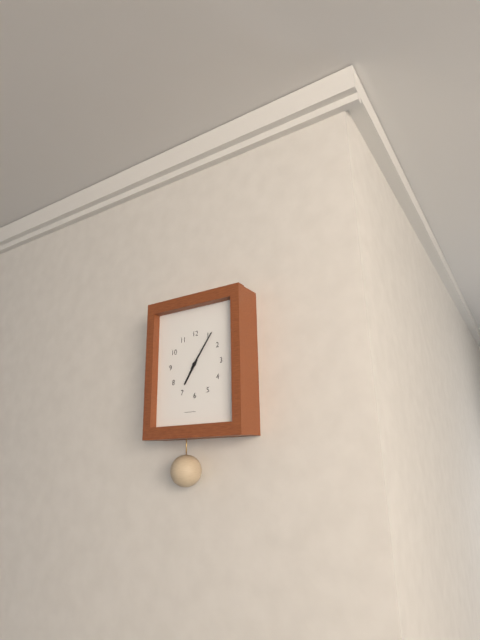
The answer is 7:06
